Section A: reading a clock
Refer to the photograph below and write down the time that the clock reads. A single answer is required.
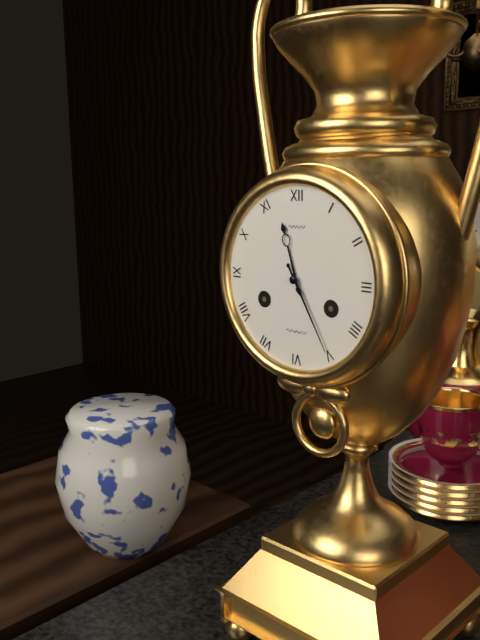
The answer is 11:25
